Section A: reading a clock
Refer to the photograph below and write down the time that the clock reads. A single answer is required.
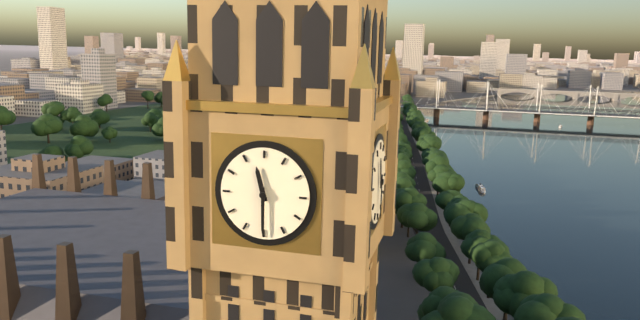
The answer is 11:30
